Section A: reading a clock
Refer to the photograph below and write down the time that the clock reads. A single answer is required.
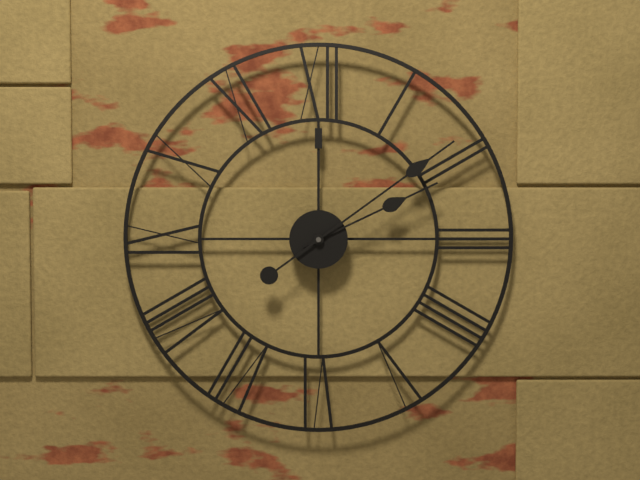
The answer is 2:09
